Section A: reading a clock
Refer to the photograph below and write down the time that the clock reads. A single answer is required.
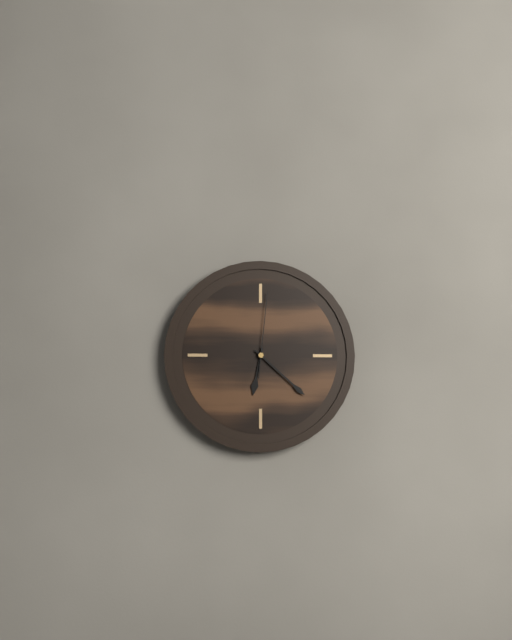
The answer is 6:22:01
